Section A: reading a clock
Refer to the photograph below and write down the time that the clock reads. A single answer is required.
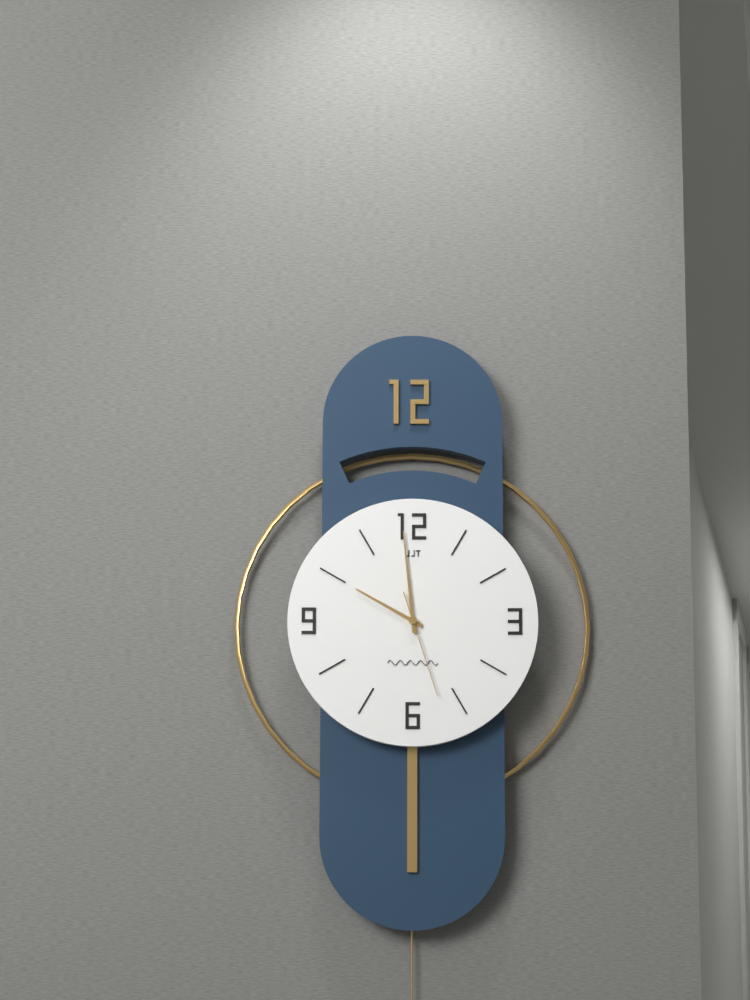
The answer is 9:59:27
